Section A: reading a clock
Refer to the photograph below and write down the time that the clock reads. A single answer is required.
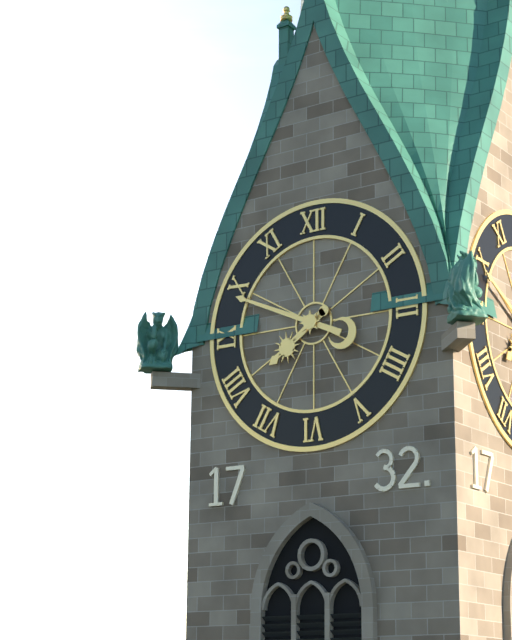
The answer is 7:49
